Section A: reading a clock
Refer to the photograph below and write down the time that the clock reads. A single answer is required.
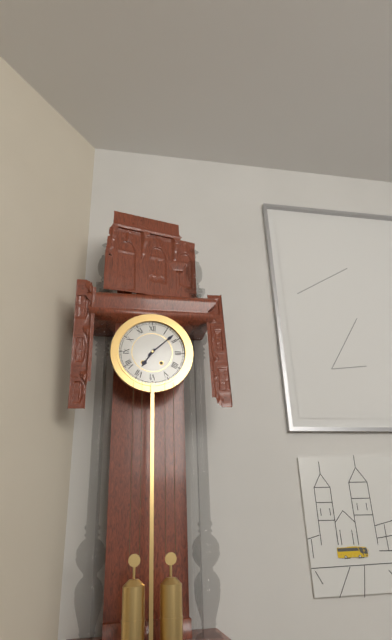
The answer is 7:08
